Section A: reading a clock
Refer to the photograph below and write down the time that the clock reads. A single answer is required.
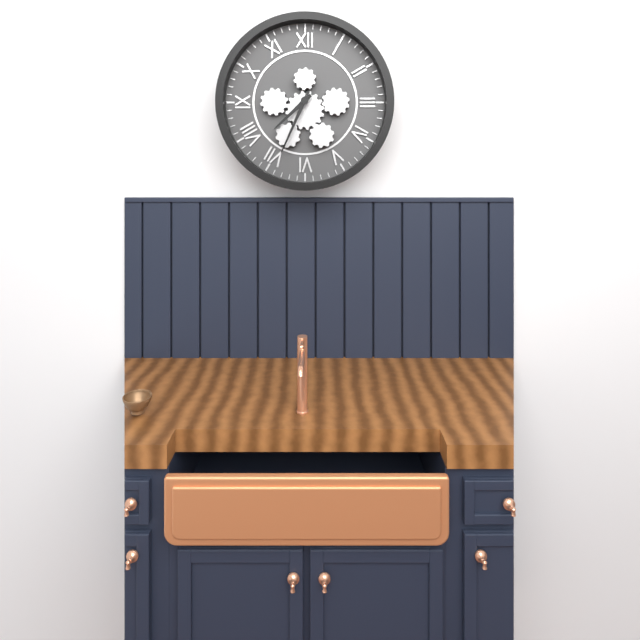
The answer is 7:34
